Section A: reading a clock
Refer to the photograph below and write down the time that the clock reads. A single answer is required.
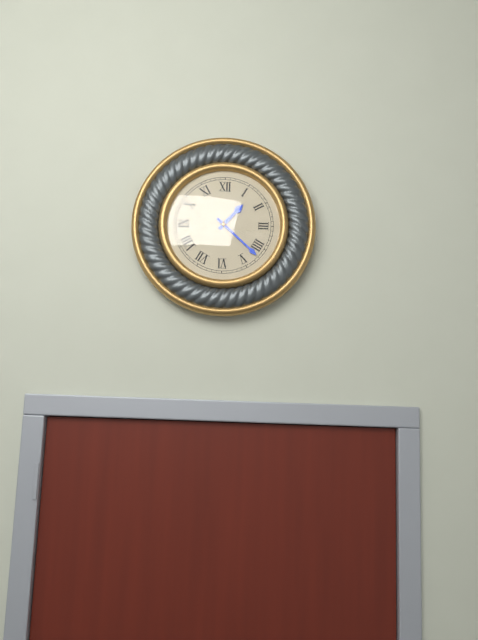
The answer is 1:22
